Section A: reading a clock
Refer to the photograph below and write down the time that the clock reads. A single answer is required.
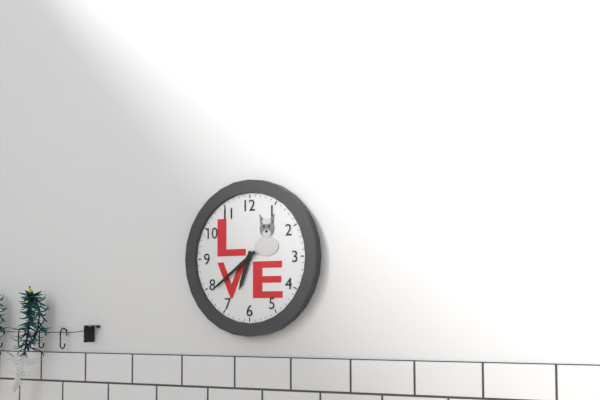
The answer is 6:39
